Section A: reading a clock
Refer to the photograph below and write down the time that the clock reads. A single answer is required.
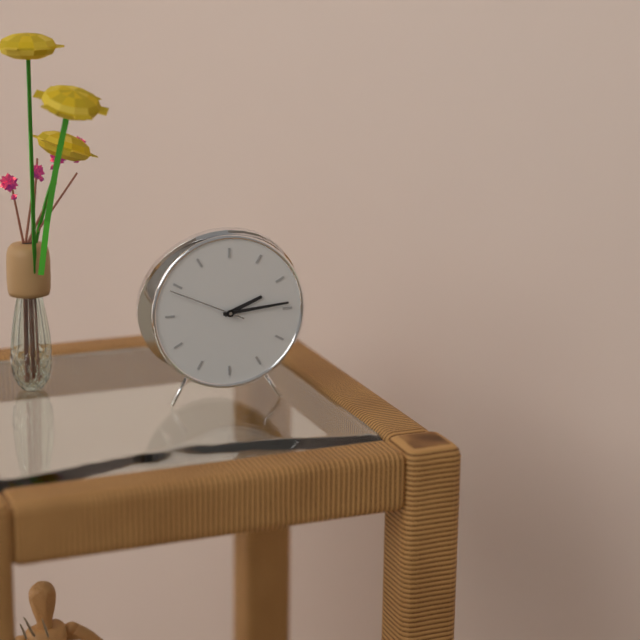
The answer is 2:14:49
